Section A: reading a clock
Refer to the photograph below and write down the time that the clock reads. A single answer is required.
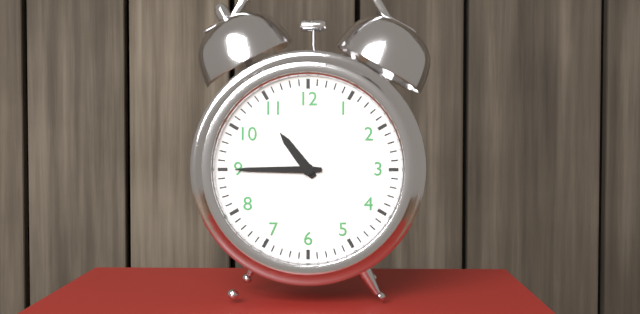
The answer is 10:45
